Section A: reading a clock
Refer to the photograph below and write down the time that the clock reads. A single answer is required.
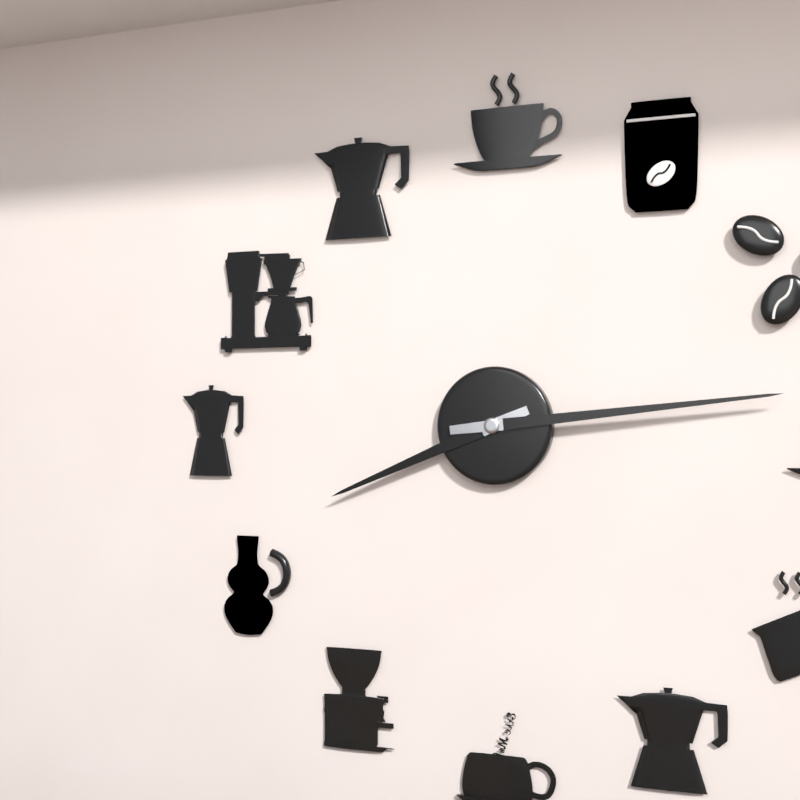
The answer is 8:14
